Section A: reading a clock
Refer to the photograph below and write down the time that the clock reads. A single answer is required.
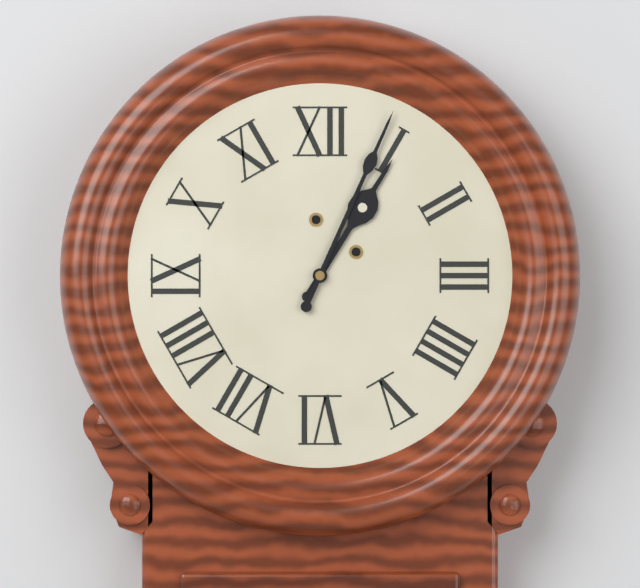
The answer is 1:04
